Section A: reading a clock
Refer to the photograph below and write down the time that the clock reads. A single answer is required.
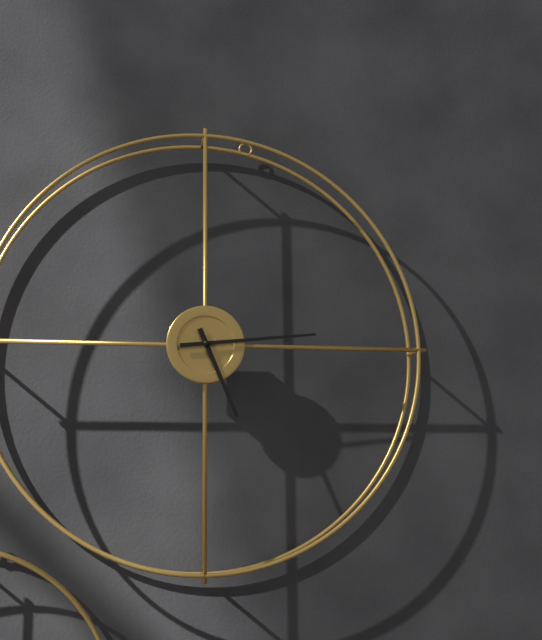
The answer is 5:14
